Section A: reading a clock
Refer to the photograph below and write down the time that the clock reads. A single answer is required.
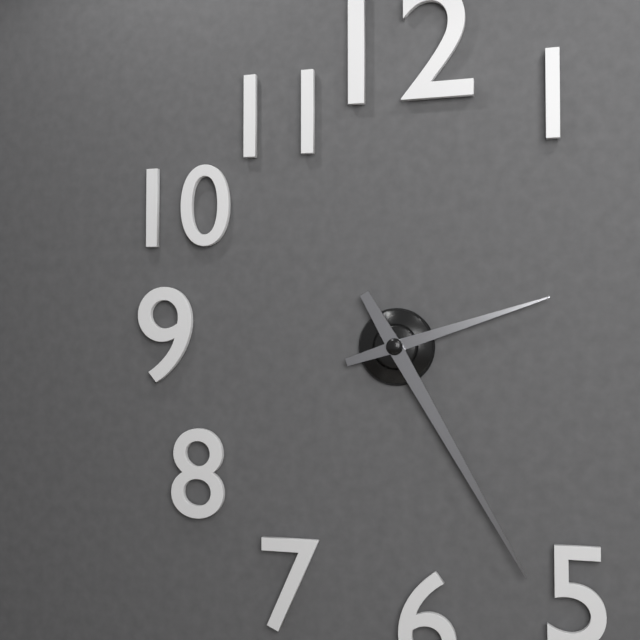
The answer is 2:25
